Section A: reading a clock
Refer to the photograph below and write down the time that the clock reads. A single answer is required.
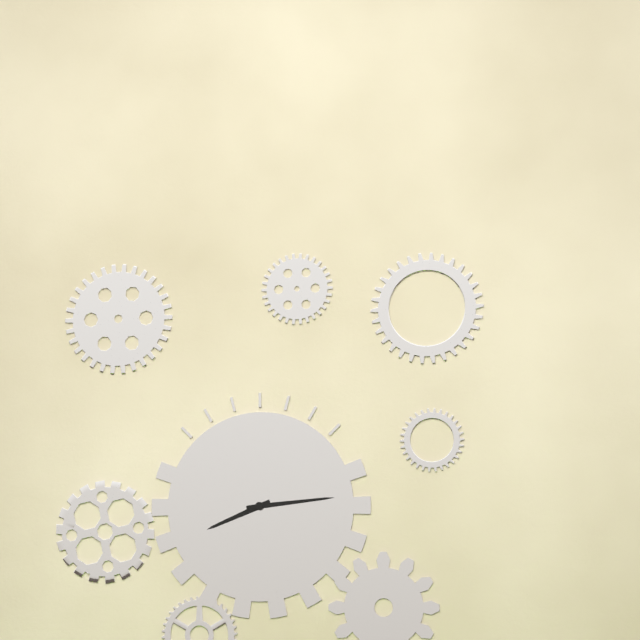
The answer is 8:14
